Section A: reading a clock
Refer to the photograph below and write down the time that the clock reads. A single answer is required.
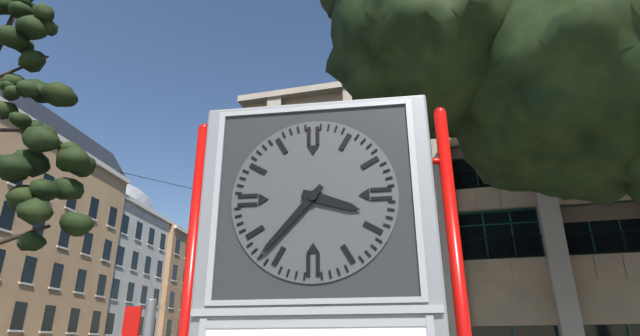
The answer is 3:37
